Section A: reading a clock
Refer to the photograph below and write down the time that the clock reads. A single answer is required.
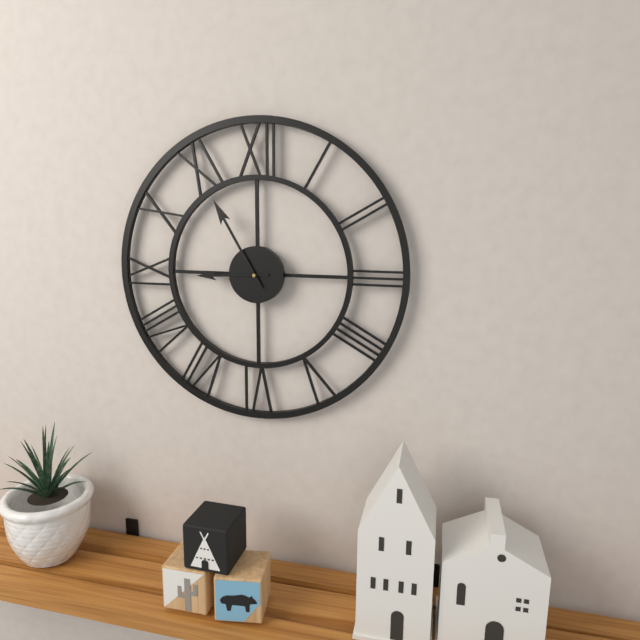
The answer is 8:55
